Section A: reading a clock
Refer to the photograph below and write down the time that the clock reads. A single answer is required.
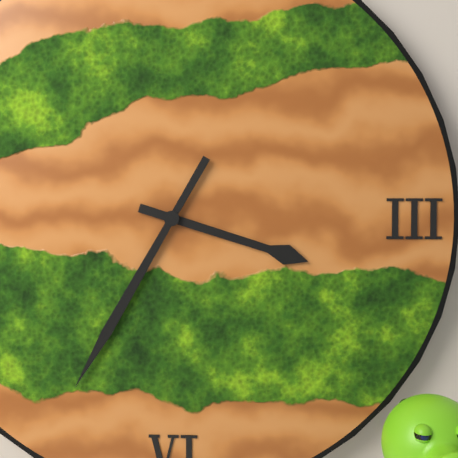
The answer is 3:35
